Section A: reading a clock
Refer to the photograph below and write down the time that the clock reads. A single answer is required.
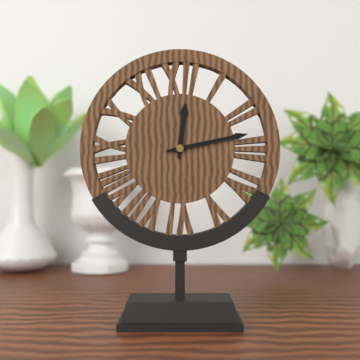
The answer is 12:13
